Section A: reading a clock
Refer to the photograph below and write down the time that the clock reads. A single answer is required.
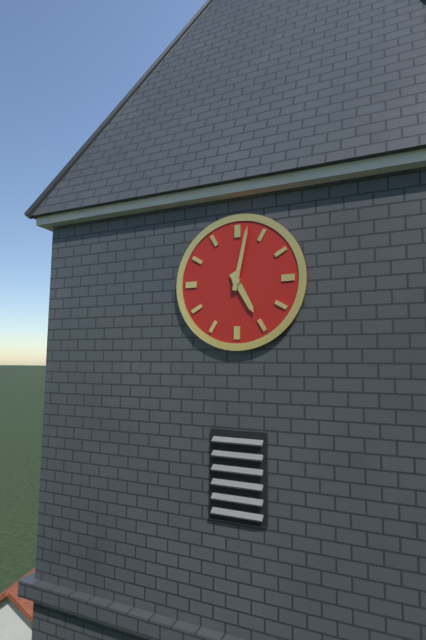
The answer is 5:02
